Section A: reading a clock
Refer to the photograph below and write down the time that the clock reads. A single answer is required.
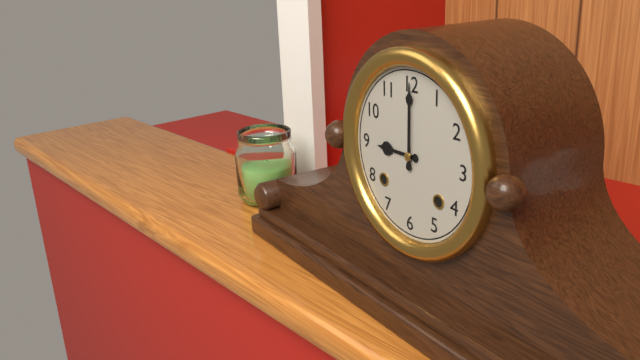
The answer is 9:00
